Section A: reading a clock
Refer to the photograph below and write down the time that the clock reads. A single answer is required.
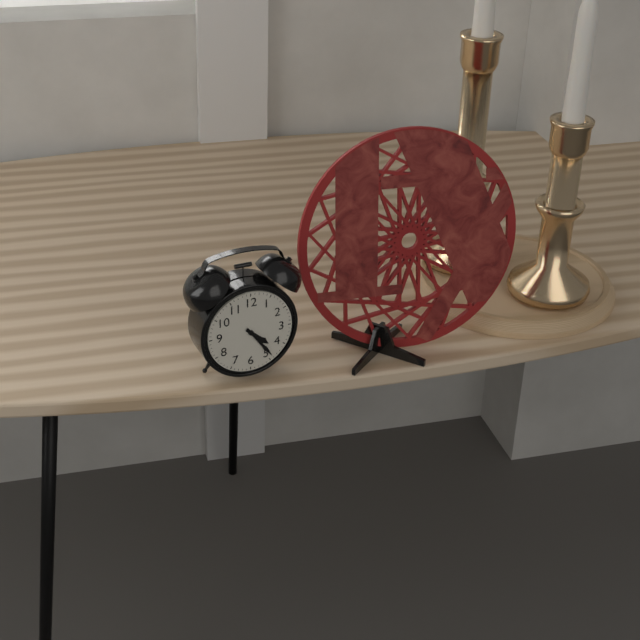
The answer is 4:24
